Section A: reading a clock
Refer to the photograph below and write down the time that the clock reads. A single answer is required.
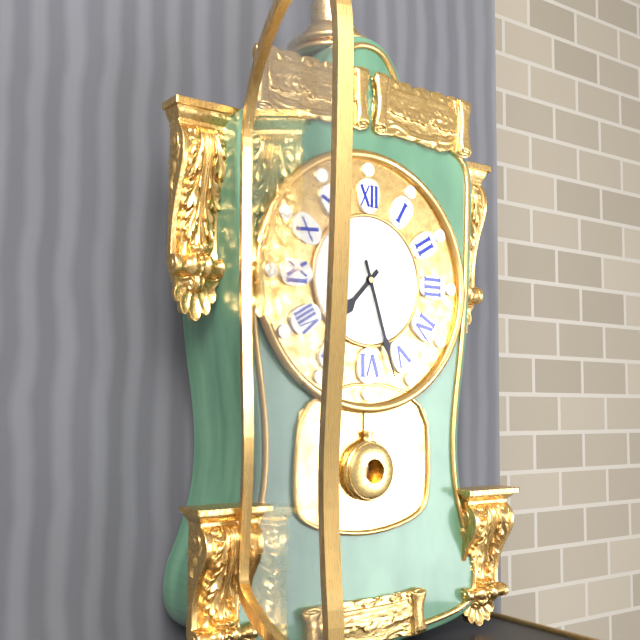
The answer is 7:27
